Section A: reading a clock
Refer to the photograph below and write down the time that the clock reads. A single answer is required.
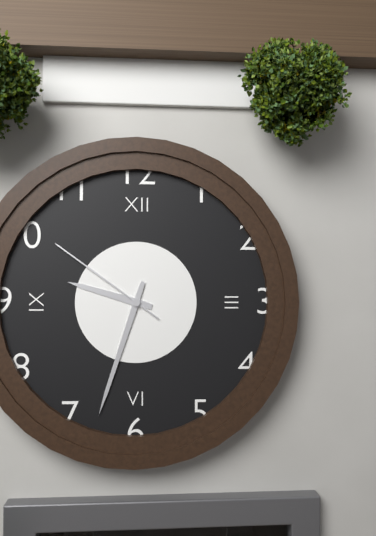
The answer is 9:33:51
